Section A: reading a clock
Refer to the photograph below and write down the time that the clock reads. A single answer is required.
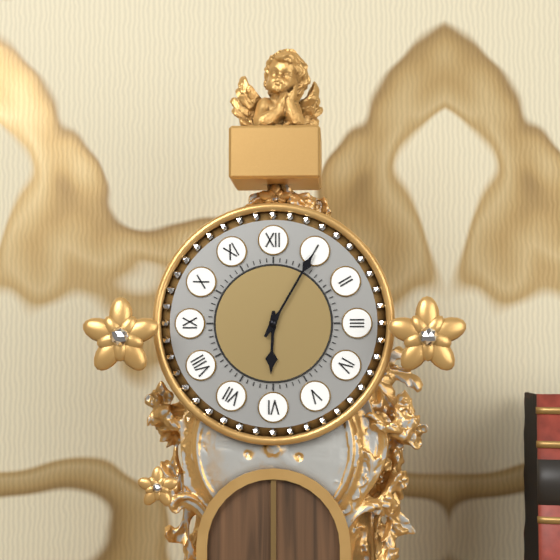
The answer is 6:05
